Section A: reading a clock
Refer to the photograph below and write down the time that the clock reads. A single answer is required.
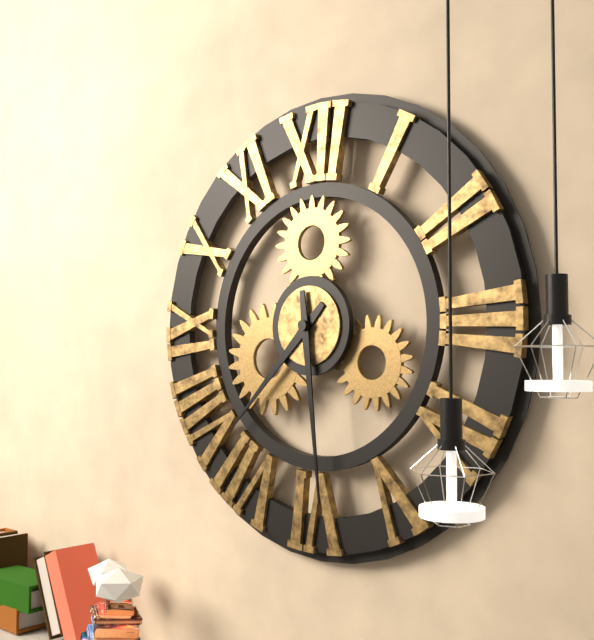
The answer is 7:29
